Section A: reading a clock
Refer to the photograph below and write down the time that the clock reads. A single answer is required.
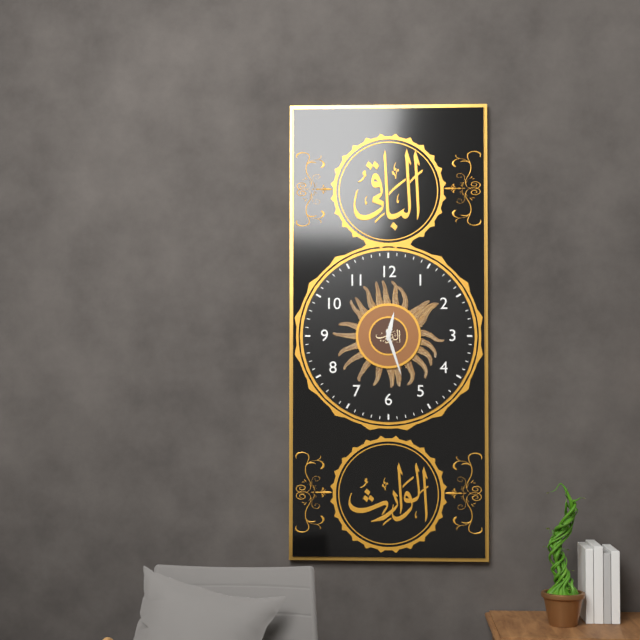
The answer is 12:27
